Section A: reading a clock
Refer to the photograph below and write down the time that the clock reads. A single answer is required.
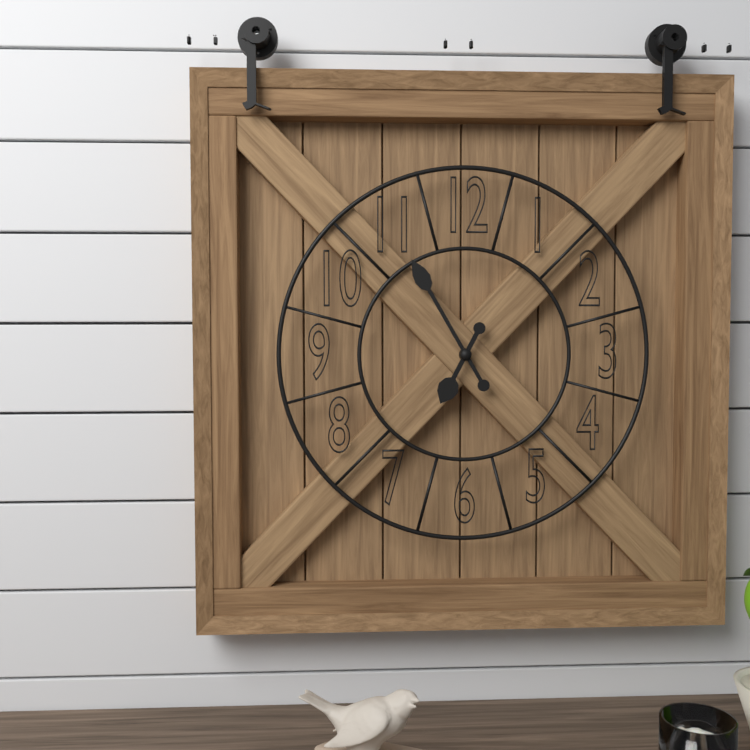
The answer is 6:55
